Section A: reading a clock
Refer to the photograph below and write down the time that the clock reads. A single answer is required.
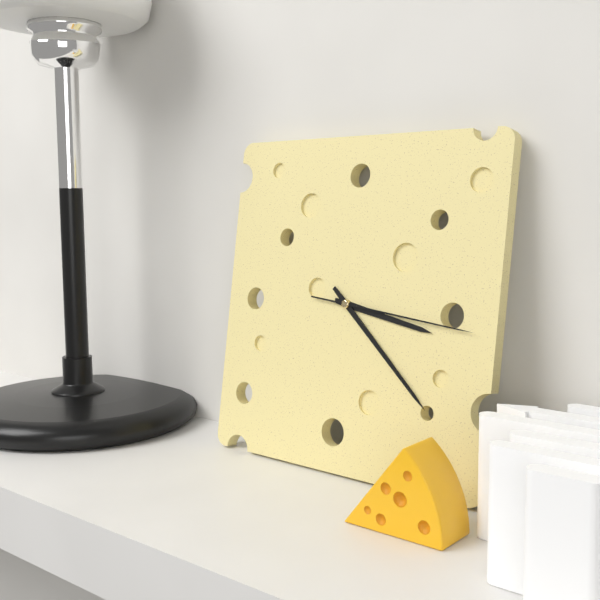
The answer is 3:22:16
